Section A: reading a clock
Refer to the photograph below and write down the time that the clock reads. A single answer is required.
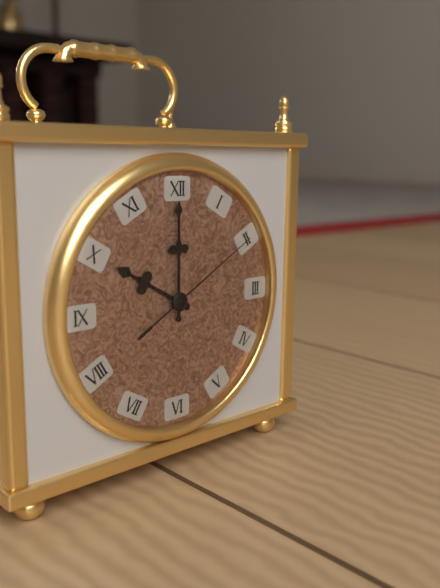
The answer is 10:00:10
